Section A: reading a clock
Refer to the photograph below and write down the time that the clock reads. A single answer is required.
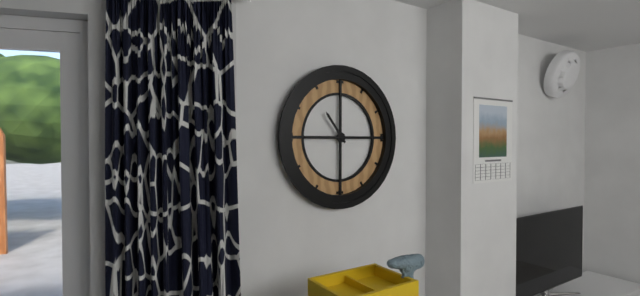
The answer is 10:45
